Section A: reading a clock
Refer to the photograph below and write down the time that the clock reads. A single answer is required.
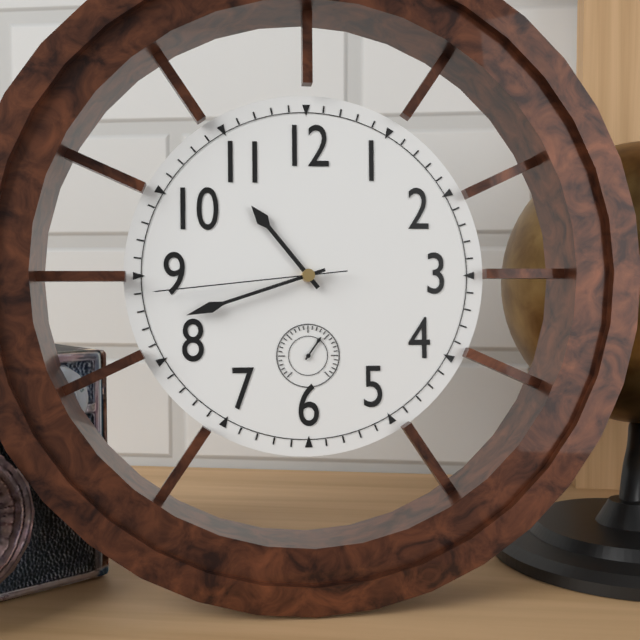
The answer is 10:42:44
